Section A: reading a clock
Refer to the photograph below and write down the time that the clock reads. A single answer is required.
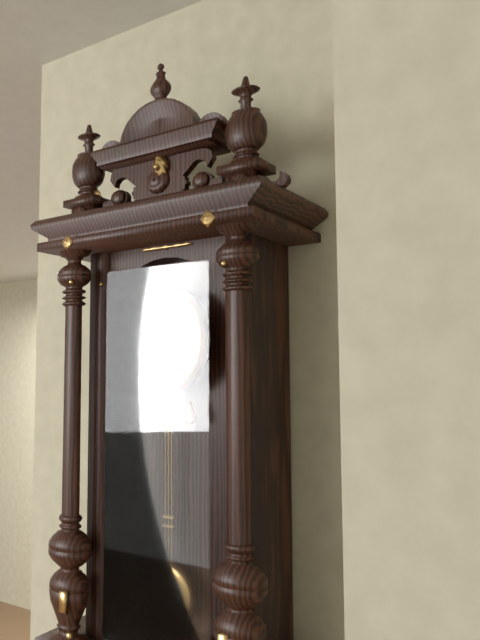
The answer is 12:30
